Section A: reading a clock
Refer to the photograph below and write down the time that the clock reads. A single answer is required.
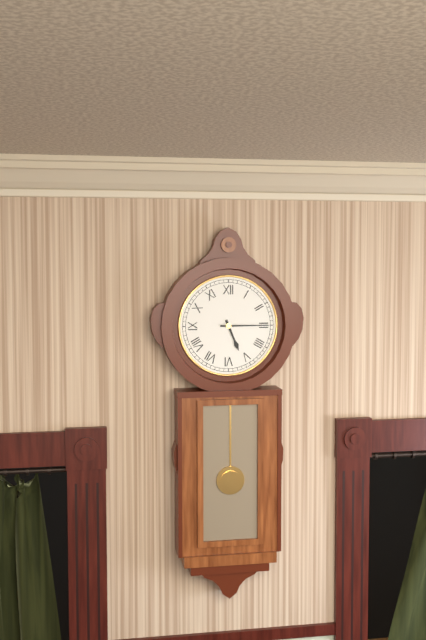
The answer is 5:15
